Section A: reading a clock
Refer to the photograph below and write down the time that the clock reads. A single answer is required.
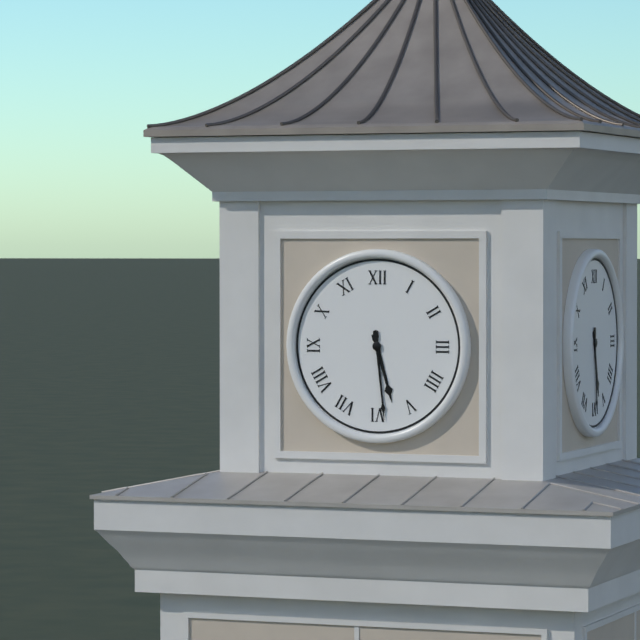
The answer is 5:29
